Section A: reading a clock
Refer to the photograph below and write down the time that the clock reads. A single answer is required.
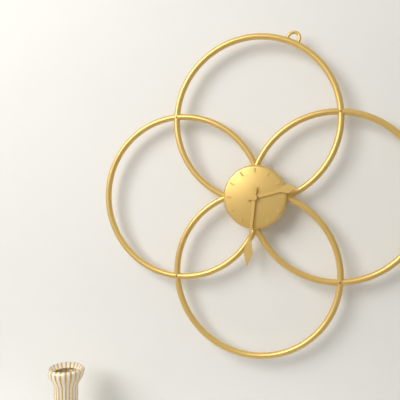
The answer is 2:31
